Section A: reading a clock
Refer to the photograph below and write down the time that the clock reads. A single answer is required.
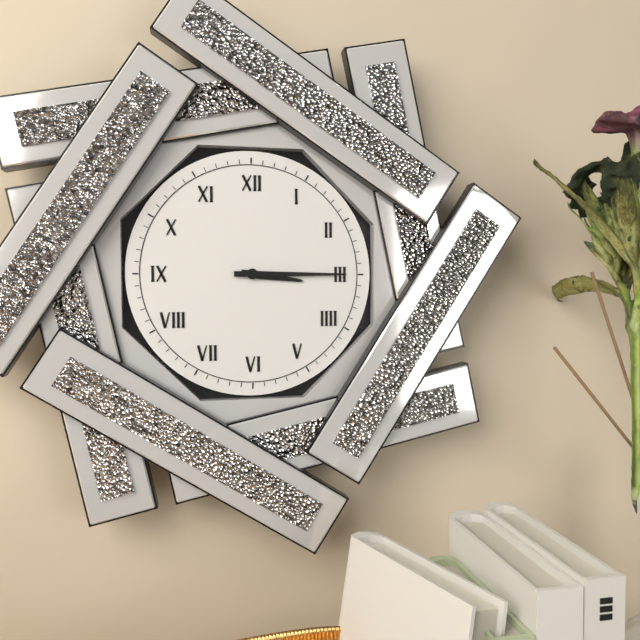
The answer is 3:15
